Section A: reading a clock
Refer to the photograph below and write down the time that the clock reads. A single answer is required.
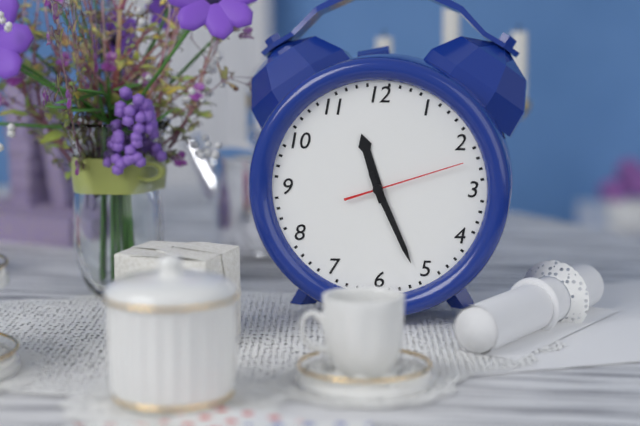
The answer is 11:26:12
